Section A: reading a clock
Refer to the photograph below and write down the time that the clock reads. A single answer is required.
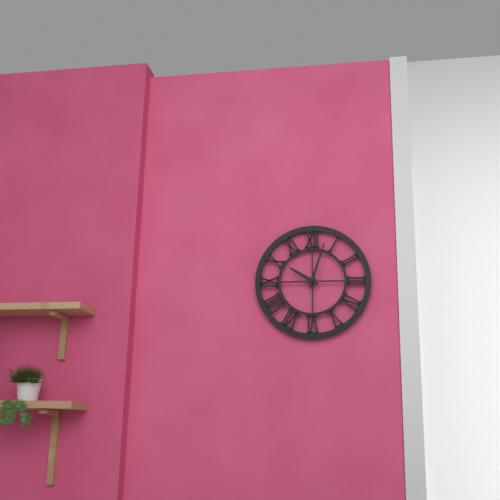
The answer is 10:03
